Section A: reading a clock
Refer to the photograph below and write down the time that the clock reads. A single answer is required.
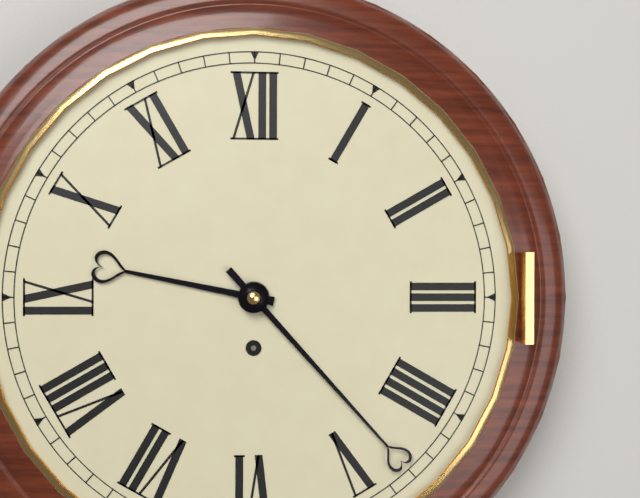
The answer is 9:23
